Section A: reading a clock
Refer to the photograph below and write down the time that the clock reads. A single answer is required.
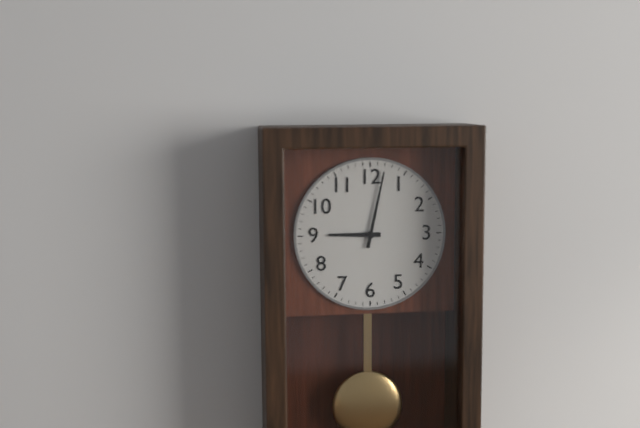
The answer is 9:02
